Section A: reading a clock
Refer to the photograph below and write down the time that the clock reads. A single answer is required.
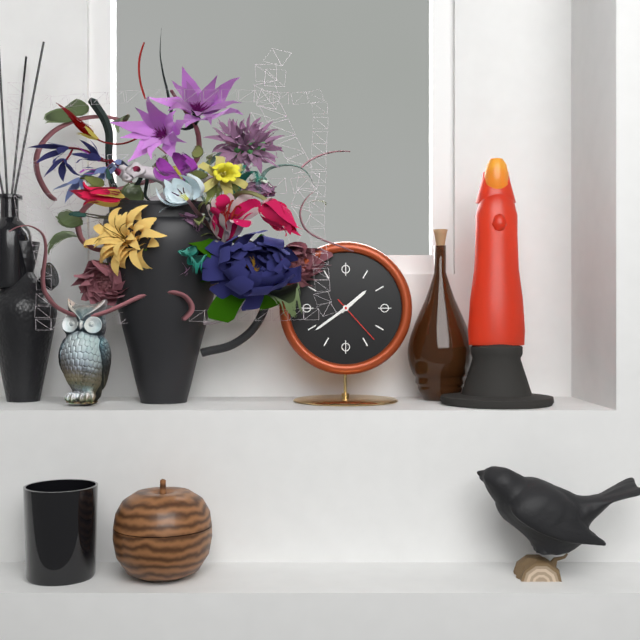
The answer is 1:39:23
